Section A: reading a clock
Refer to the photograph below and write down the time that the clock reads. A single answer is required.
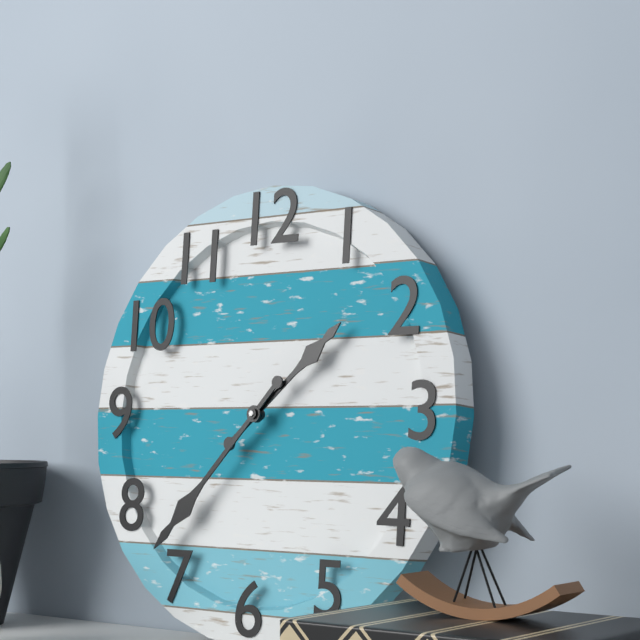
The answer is 1:37
